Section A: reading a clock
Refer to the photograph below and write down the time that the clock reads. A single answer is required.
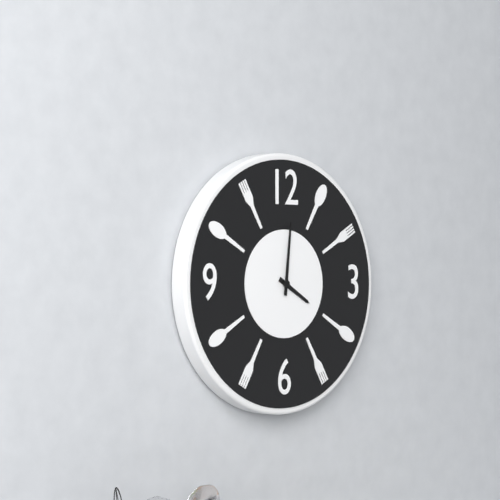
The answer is 4:01
